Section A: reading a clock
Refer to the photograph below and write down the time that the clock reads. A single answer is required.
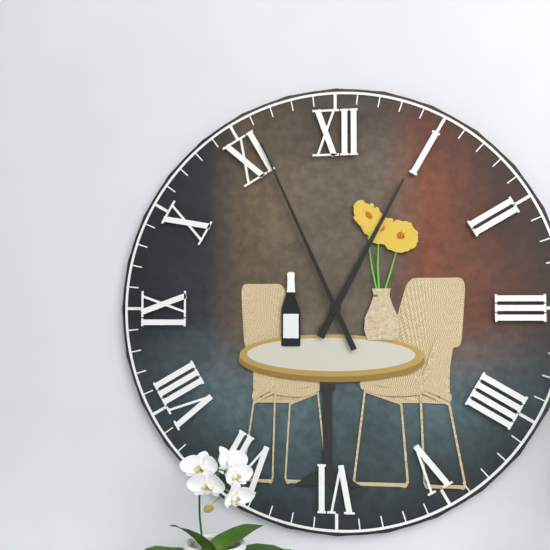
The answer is 12:56
